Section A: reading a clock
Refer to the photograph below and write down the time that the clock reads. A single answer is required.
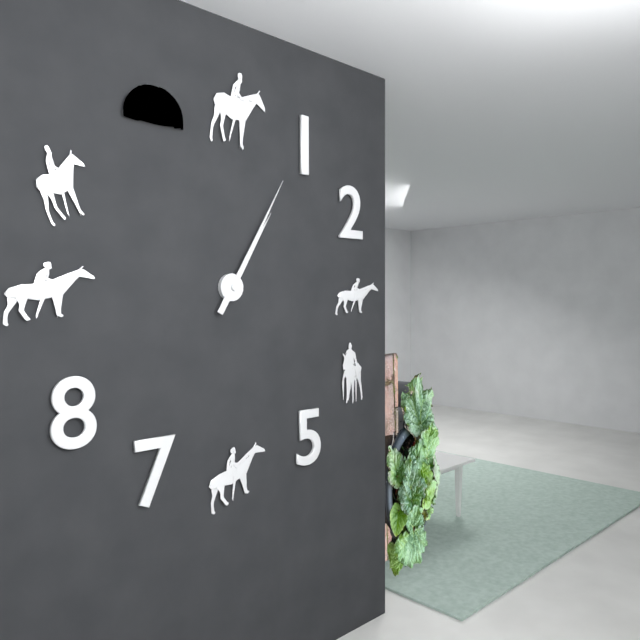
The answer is 1:05
